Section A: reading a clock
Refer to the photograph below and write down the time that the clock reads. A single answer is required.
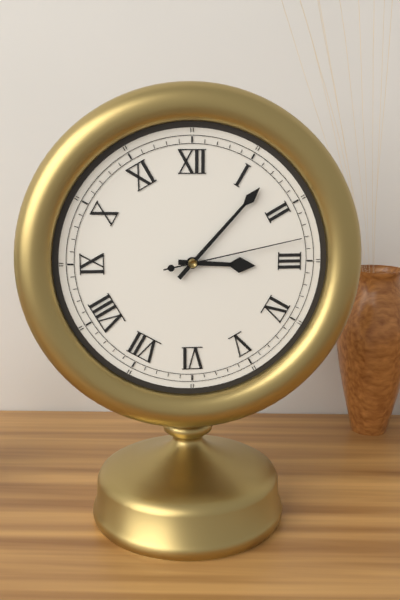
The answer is 3:07:13
